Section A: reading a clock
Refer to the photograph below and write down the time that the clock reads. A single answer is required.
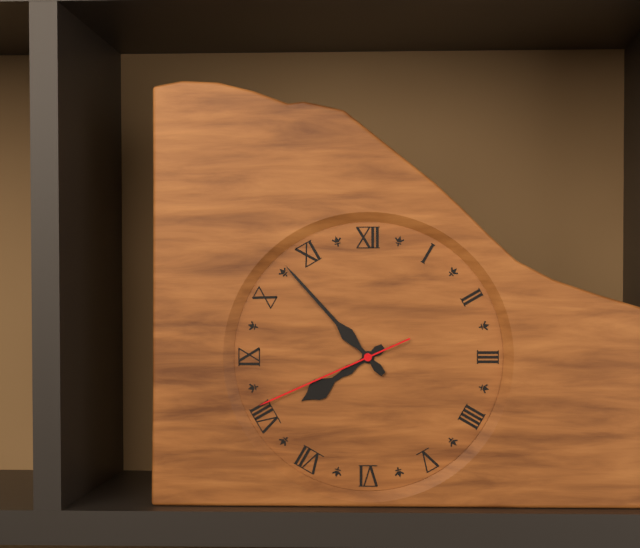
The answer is 7:53:41
